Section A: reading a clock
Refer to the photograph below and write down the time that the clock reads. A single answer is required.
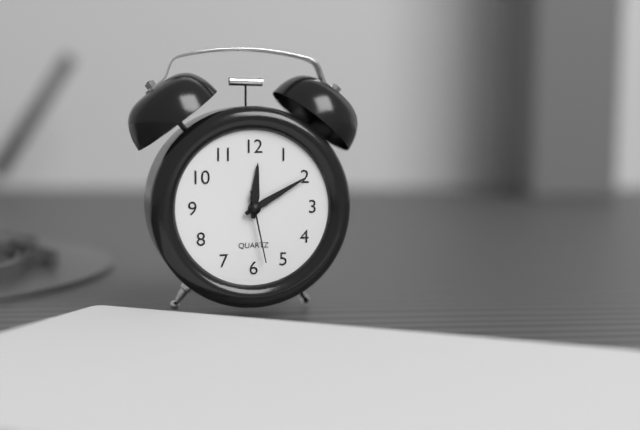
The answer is 12:10:28
